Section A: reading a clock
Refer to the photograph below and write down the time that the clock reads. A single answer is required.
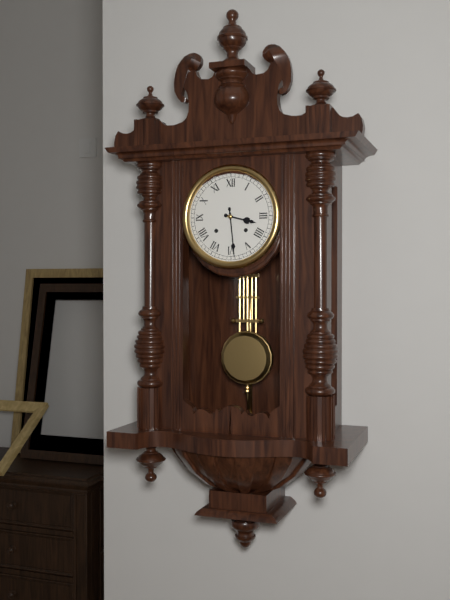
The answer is 3:29
